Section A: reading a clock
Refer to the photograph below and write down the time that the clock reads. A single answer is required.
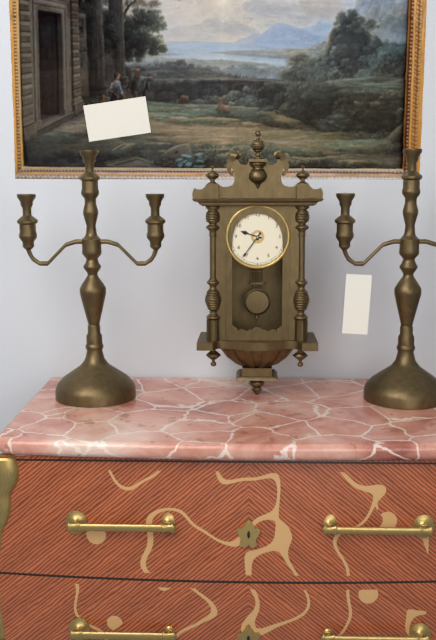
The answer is 9:36
